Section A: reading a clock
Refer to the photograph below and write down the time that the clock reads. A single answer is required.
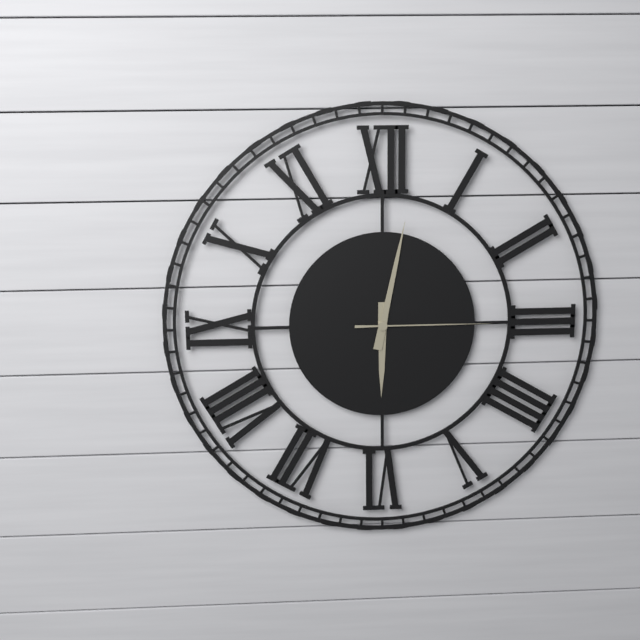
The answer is 6:02:15
